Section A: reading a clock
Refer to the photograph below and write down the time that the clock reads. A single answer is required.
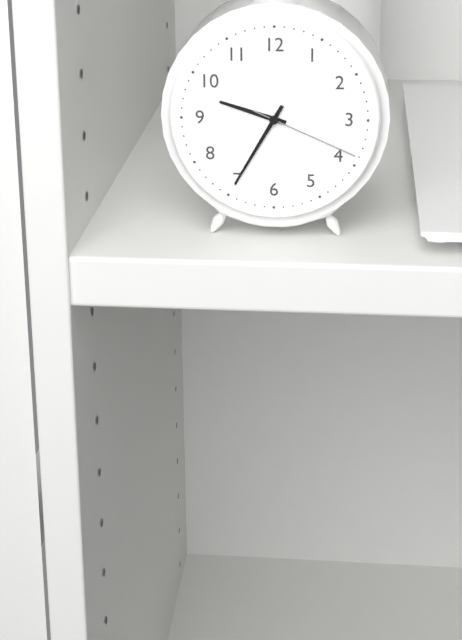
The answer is 9:35:19
